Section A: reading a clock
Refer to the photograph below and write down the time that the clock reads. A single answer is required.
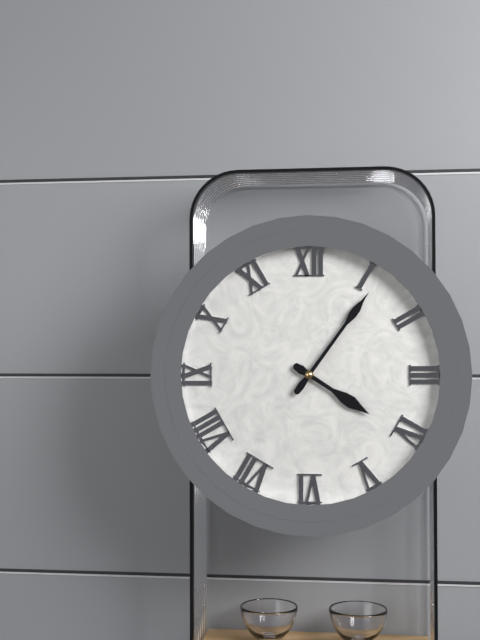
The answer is 4:06
